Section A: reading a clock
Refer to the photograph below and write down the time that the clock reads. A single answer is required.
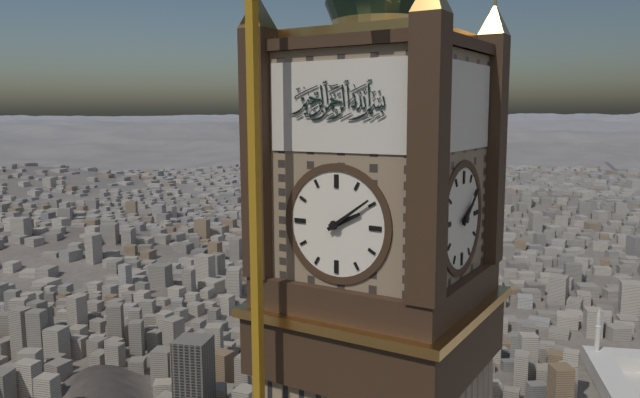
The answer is 2:09
